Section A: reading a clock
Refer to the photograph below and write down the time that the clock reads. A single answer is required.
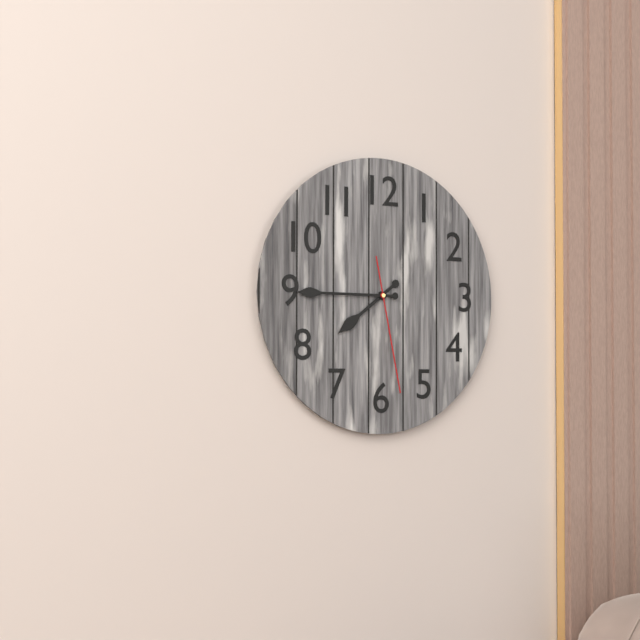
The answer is 7:45:28
